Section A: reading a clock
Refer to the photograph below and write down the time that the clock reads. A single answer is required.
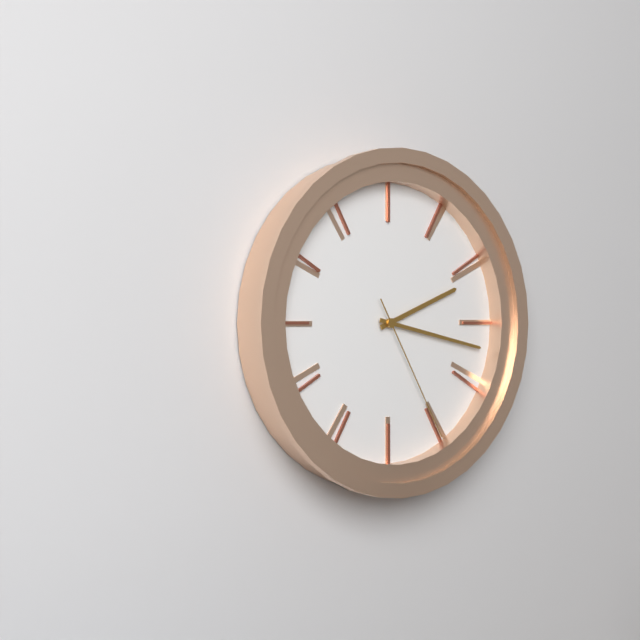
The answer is 2:17:25
